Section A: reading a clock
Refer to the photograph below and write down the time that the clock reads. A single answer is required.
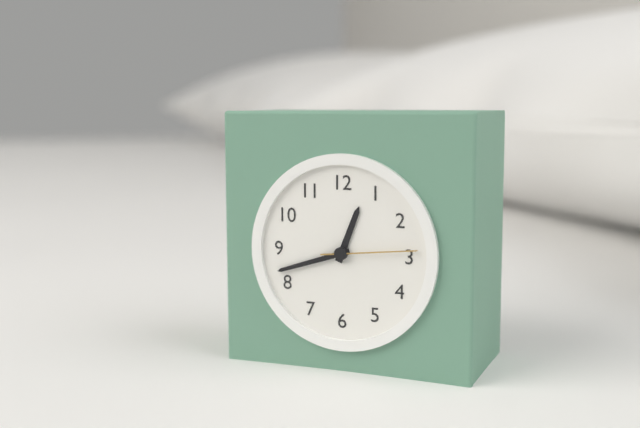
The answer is 12:42:14
